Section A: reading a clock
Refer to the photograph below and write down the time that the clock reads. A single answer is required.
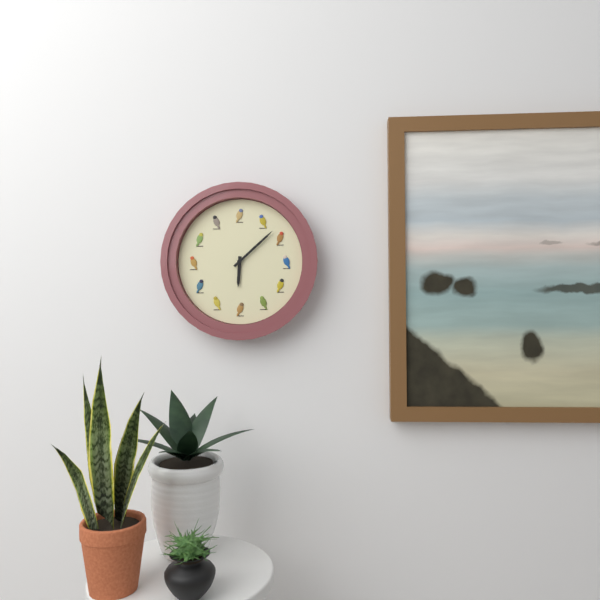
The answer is 6:08
